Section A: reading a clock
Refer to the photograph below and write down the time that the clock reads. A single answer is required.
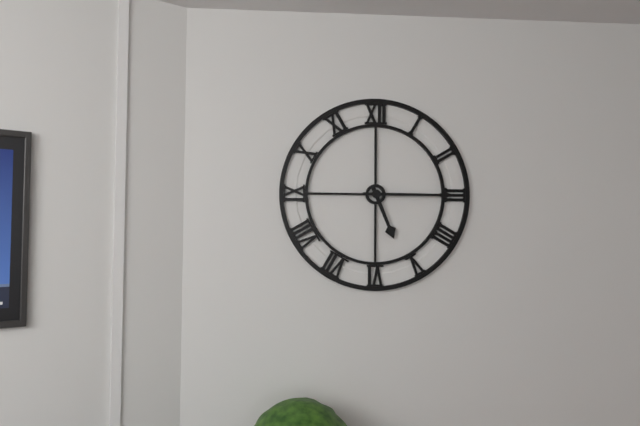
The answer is 5:15
